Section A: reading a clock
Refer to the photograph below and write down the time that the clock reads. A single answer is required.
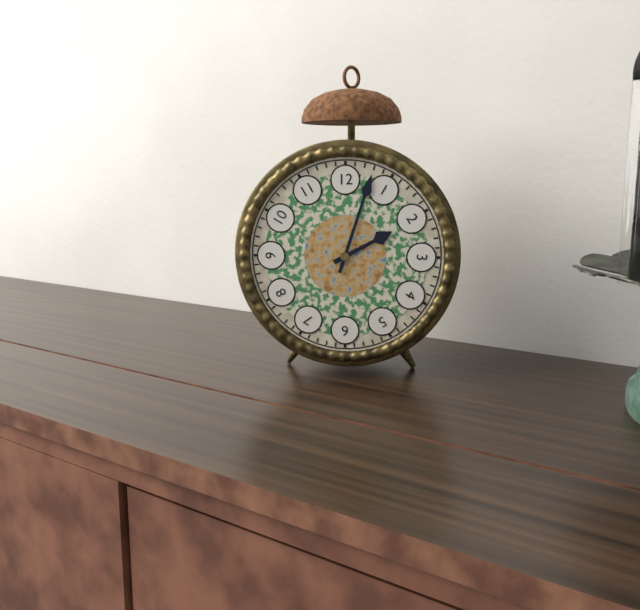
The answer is 2:03
